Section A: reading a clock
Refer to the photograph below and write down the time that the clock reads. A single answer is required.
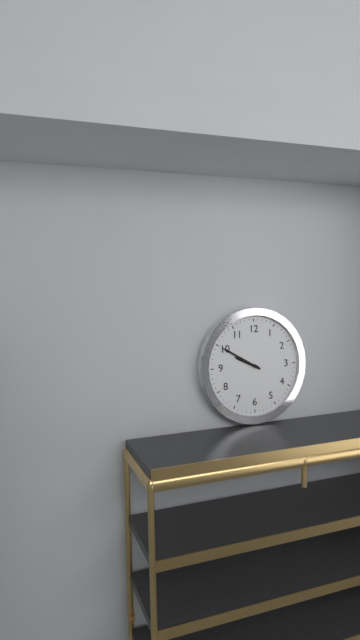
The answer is 9:50
